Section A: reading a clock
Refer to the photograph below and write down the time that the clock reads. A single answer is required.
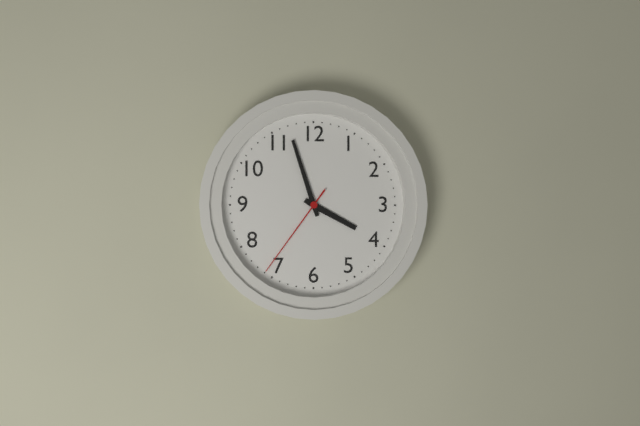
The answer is 3:57:36
